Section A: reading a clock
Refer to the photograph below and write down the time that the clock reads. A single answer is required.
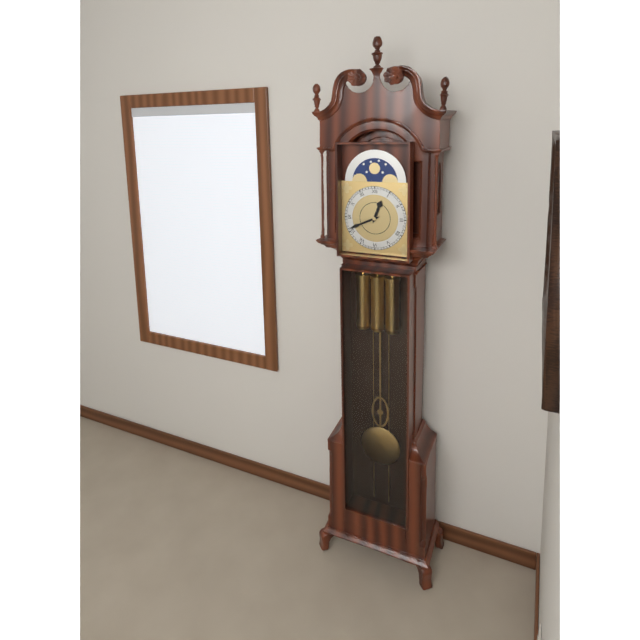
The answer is 12:41
